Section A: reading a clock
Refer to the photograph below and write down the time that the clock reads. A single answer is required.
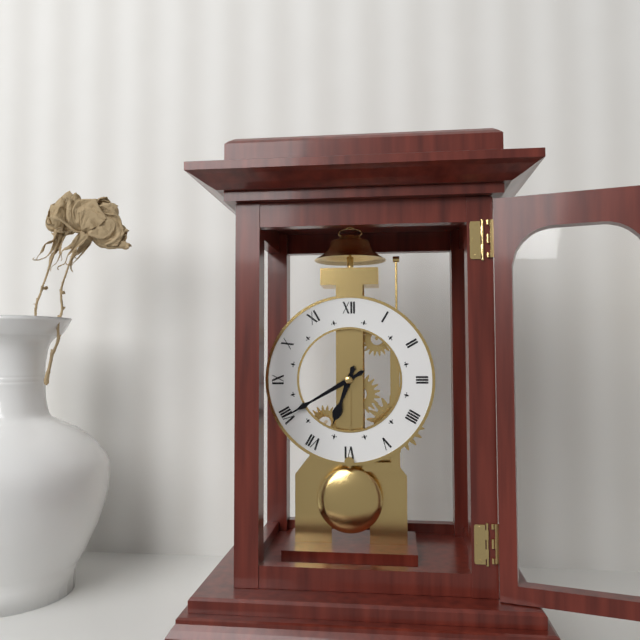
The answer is 6:40
